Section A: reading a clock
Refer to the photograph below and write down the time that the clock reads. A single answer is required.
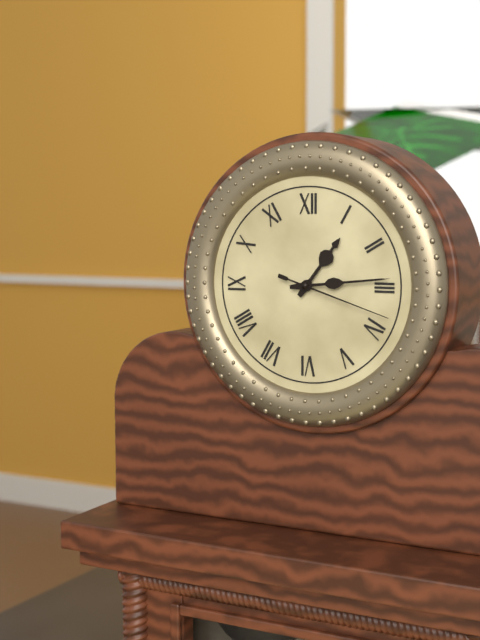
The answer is 1:14:18
